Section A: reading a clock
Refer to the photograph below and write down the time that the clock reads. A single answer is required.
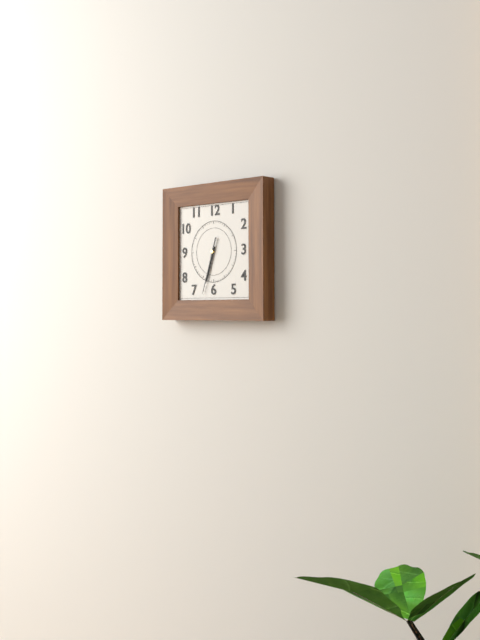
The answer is 6:33
